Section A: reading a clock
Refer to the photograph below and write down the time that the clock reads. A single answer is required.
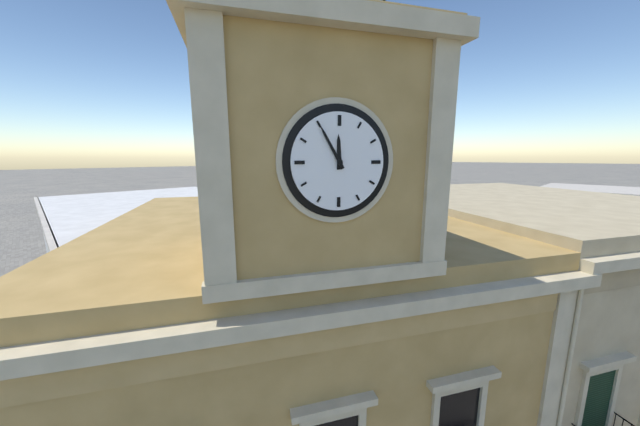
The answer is 11:55
